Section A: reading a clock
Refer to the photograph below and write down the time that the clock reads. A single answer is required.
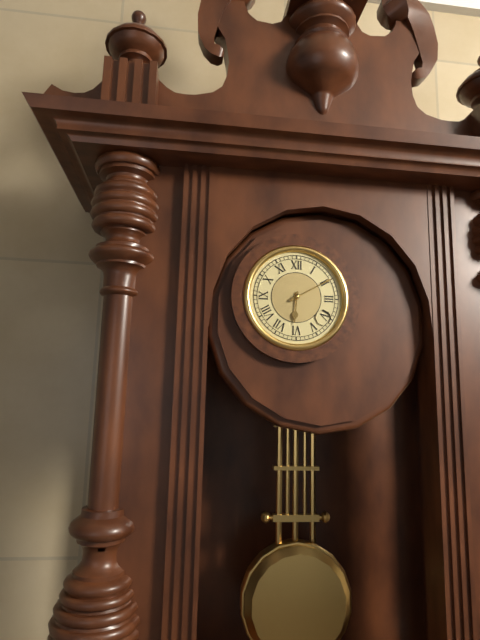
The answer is 6:10
